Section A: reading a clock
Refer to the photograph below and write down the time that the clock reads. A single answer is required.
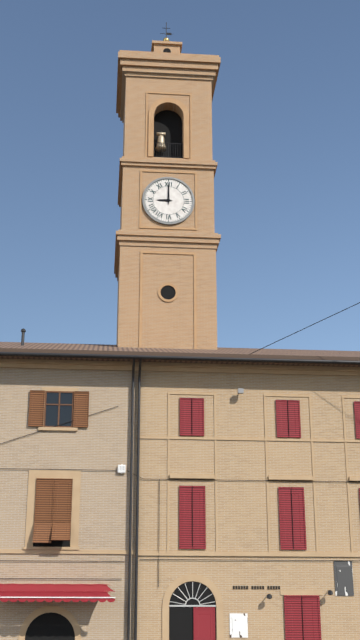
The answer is 9:00
